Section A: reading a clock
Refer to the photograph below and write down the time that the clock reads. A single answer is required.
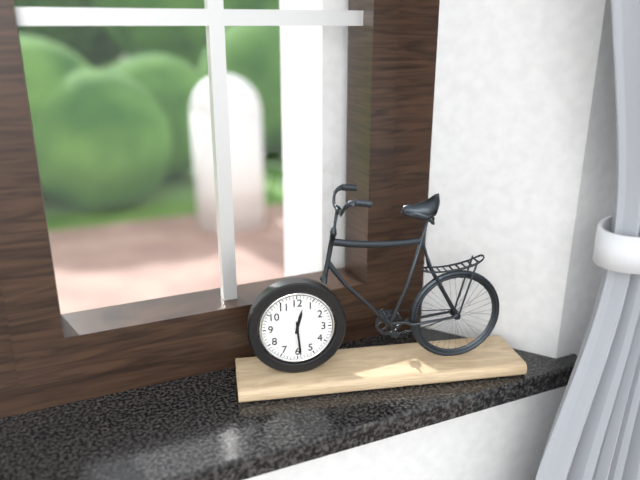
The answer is 12:29
